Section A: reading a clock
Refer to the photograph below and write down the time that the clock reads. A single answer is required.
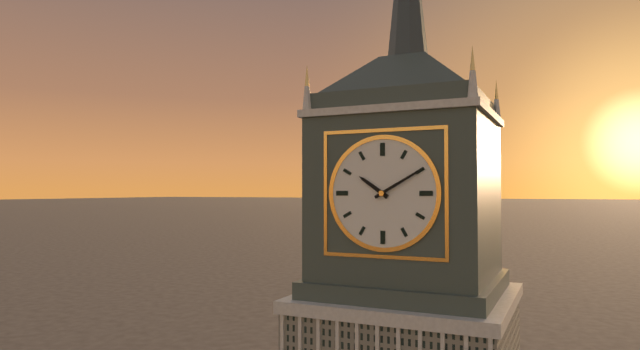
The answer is 10:10
